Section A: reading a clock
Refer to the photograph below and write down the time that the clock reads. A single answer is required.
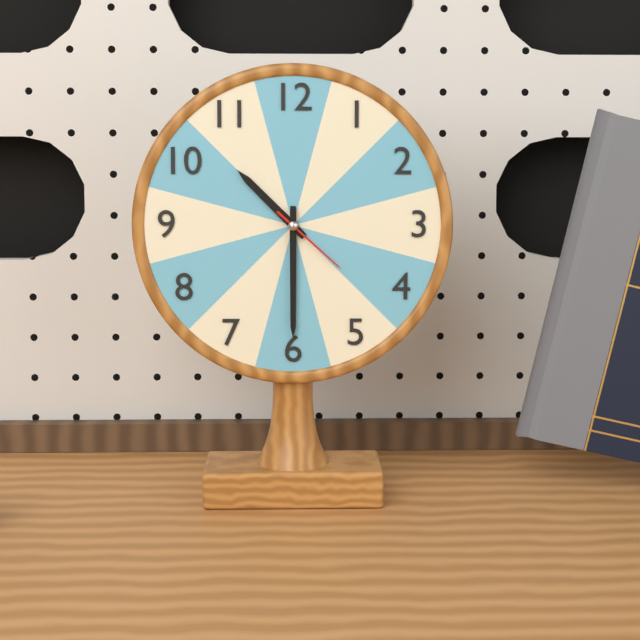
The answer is 10:30:22
